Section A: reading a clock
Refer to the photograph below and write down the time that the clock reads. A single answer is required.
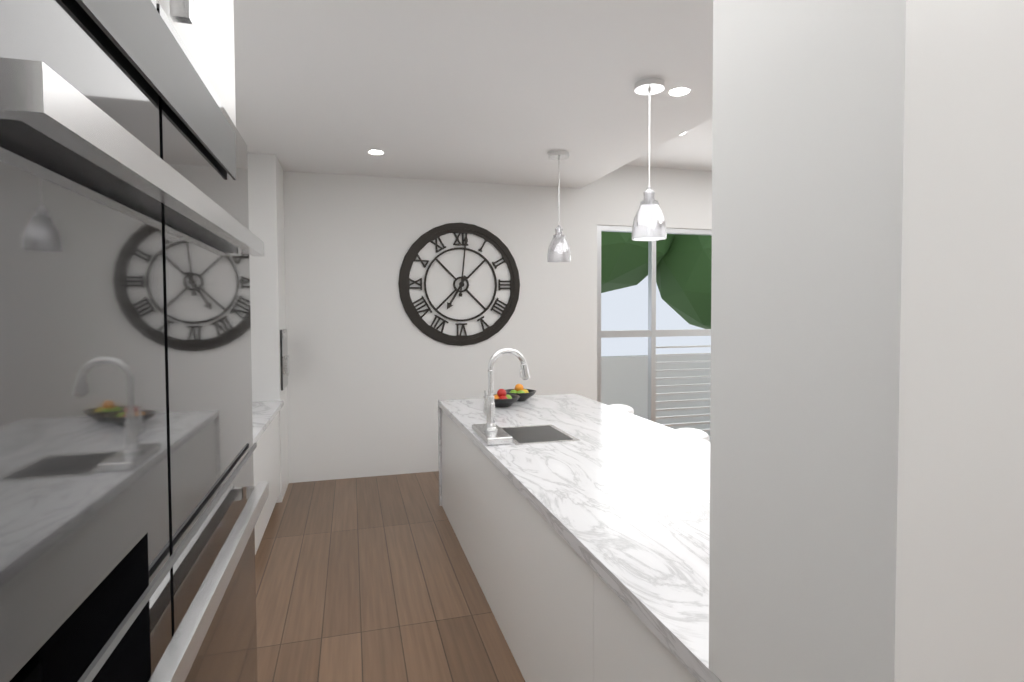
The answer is 7:01
